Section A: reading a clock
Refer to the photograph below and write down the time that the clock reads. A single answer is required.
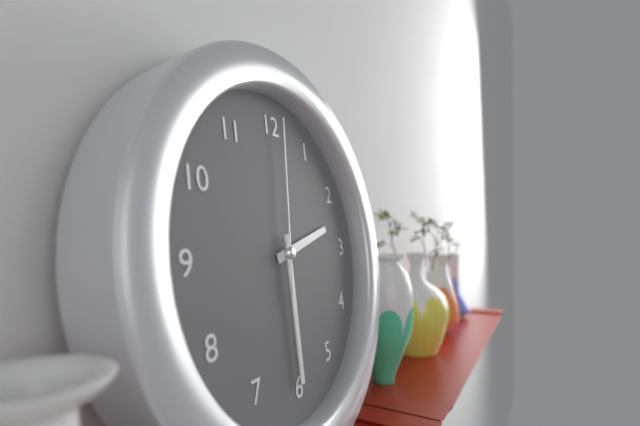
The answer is 2:30:01
